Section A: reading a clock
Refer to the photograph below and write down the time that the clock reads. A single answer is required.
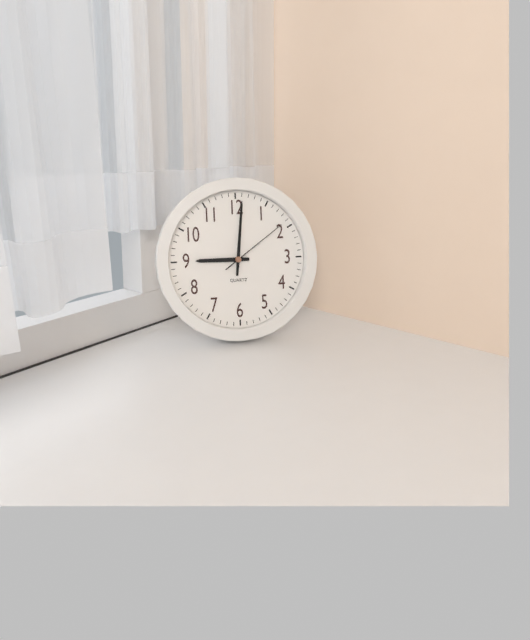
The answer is 9:01:09
